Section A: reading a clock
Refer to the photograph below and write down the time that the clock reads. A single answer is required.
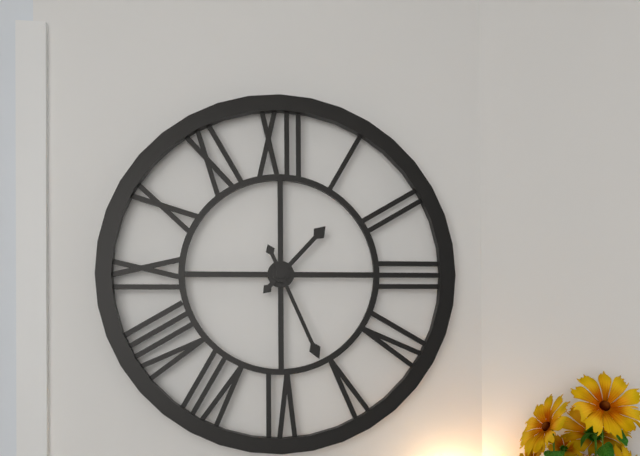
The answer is 1:26
